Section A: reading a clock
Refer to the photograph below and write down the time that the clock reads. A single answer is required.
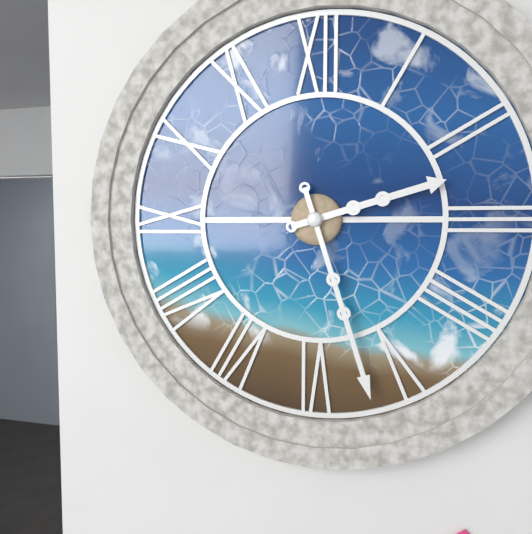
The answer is 2:27
